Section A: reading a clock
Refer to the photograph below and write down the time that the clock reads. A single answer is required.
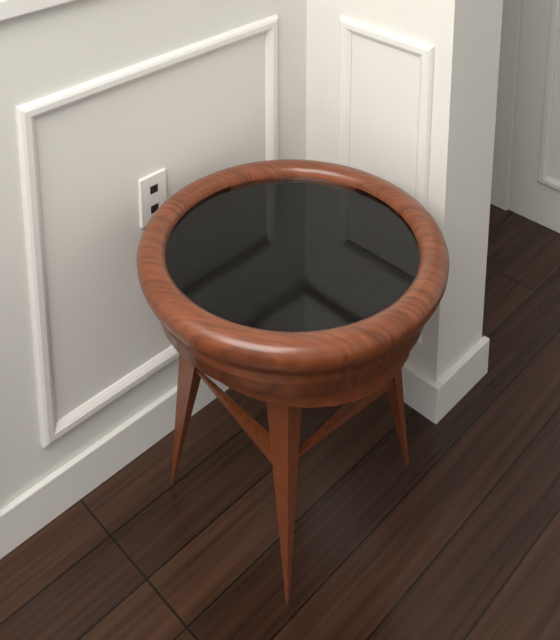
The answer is 9:03
